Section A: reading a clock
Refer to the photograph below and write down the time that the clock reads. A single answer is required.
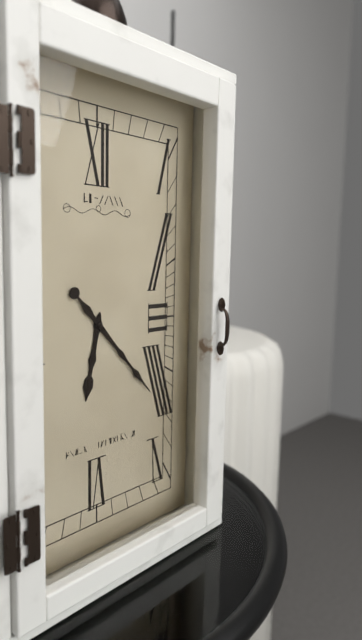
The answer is 6:23
